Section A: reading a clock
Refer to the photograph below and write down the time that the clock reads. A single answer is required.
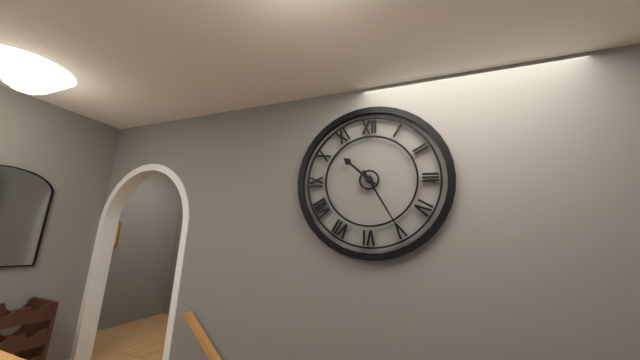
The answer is 10:25
